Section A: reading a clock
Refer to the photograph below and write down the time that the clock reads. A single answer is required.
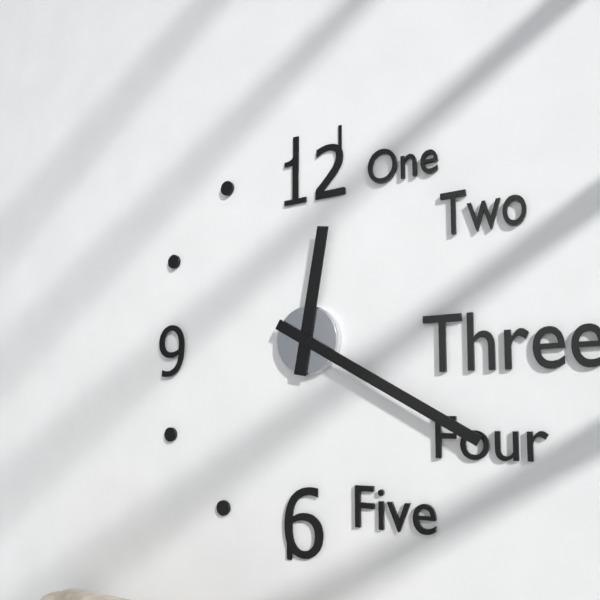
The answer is 12:20
